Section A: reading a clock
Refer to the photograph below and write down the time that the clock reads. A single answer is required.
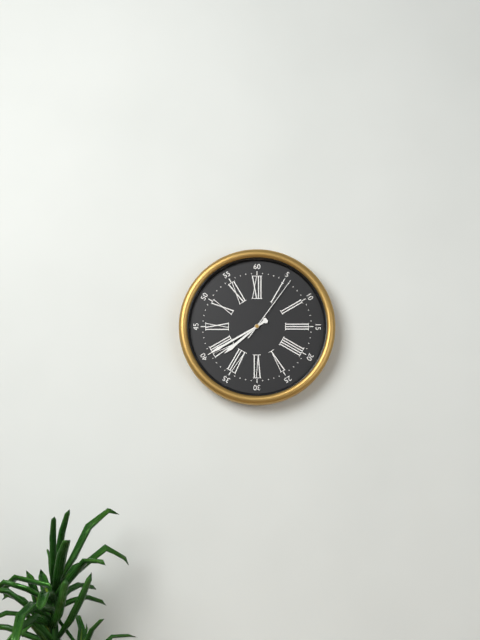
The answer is 7:40:06
